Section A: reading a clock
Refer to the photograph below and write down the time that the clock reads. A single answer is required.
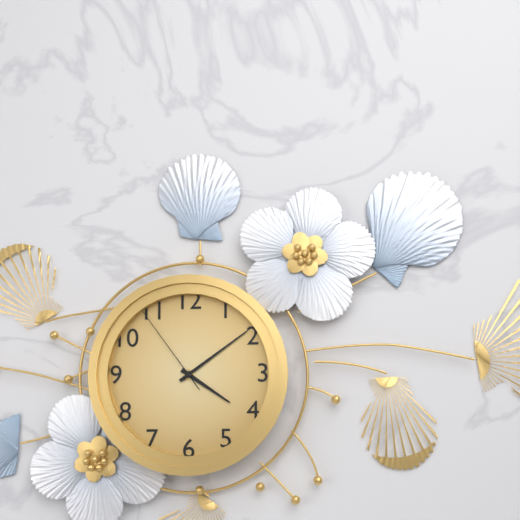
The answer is 4:09:54
